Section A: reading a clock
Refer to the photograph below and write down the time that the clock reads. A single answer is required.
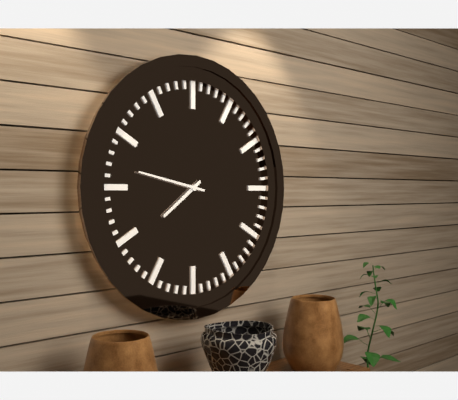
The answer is 7:47
